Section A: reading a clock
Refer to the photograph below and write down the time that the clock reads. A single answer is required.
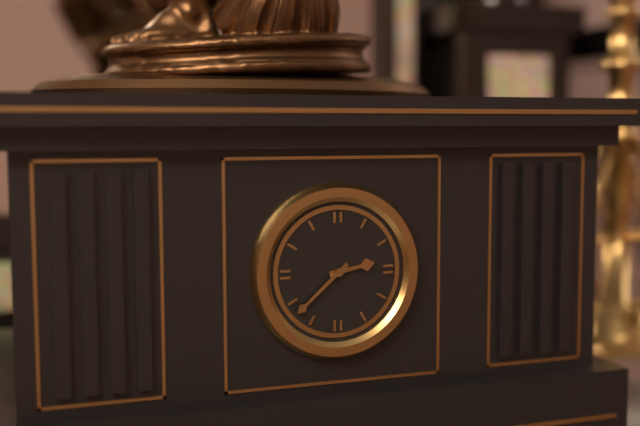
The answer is 2:38
